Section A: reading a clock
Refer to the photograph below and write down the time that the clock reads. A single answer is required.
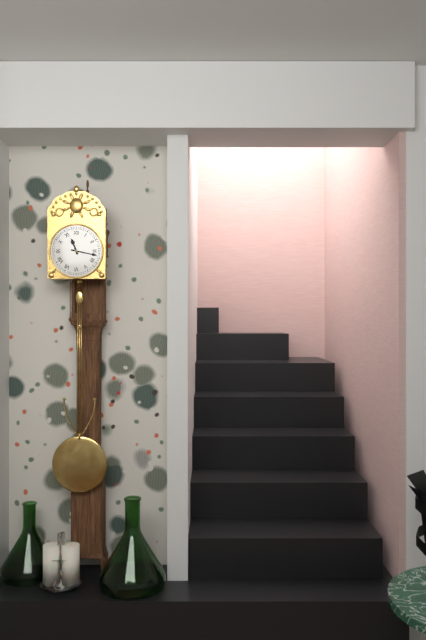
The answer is 11:17
